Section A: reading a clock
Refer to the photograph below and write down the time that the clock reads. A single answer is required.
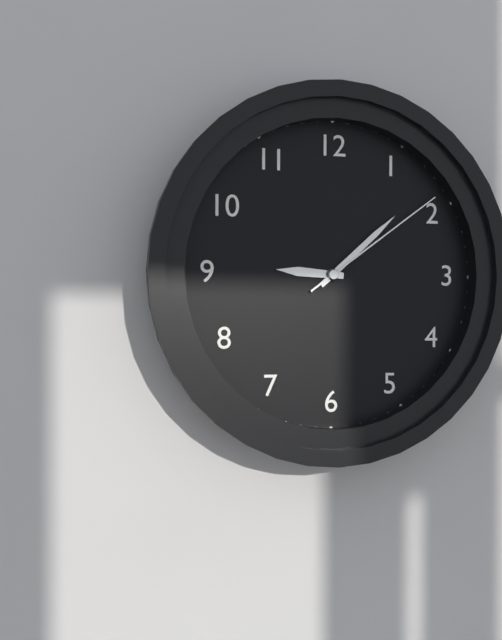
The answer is 9:08:09
